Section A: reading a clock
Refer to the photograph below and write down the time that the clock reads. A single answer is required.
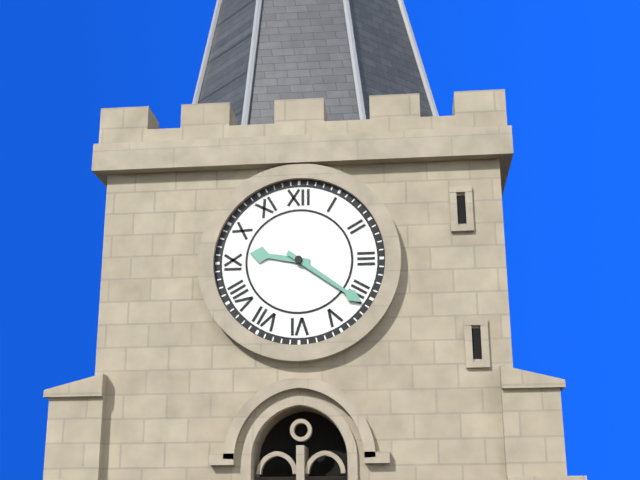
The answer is 9:21
